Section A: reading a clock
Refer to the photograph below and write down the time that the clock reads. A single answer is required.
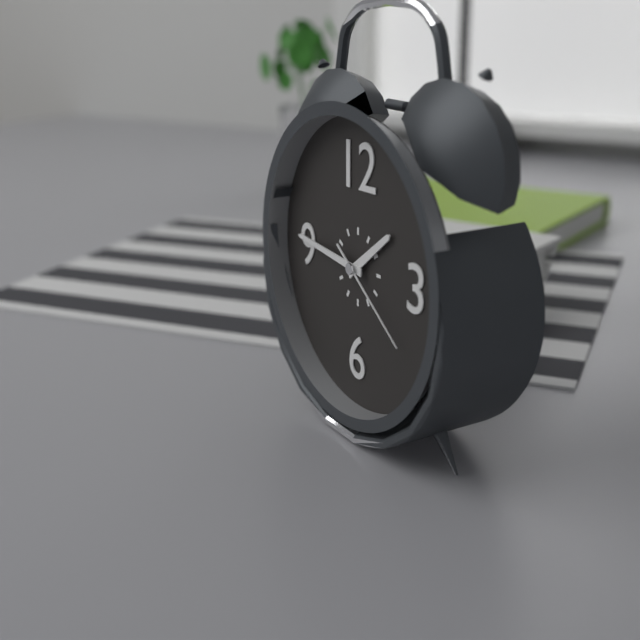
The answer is 1:46:21
